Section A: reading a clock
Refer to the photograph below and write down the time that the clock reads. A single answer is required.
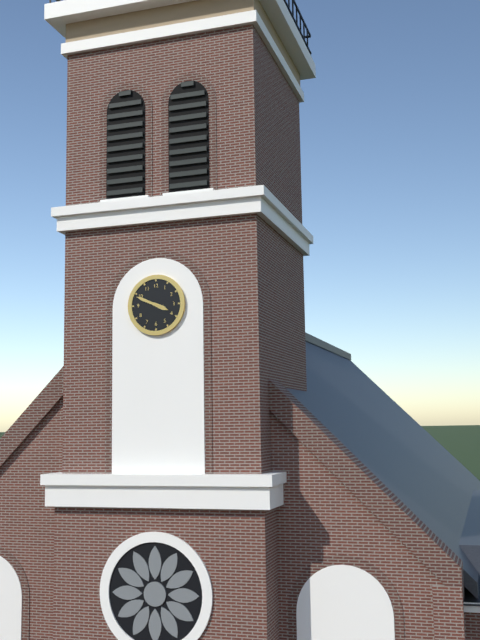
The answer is 3:49
